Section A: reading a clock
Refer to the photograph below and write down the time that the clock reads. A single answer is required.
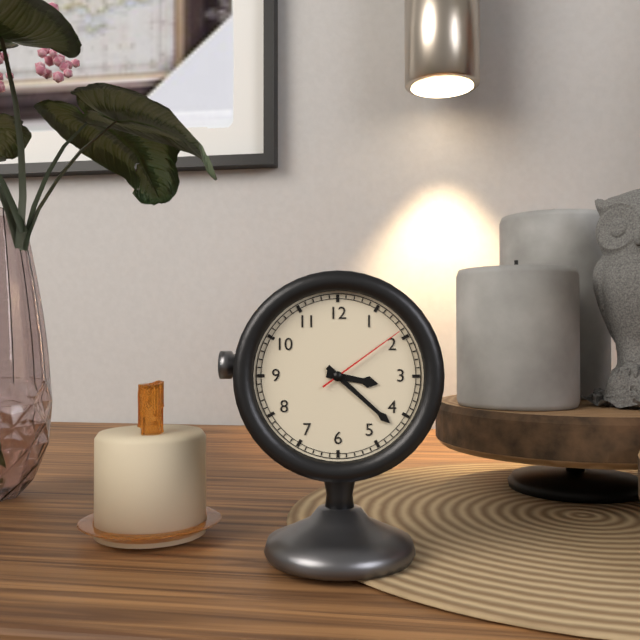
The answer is 3:22:09
